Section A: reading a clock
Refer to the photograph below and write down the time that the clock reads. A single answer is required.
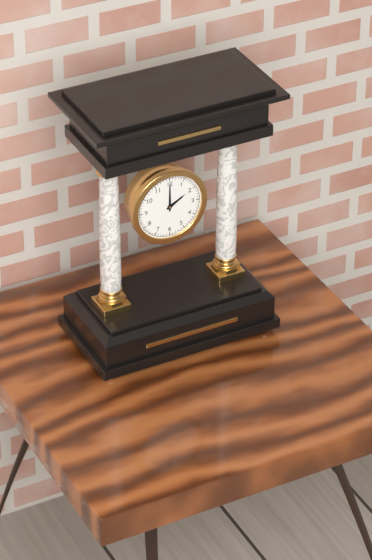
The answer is 2:00
